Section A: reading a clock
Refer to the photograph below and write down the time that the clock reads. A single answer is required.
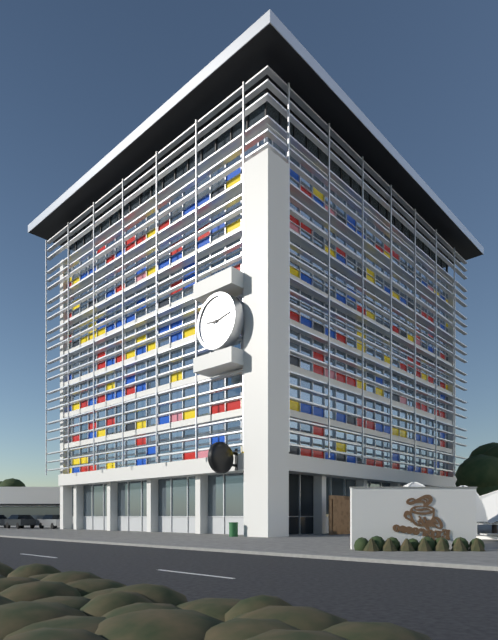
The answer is 9:13
